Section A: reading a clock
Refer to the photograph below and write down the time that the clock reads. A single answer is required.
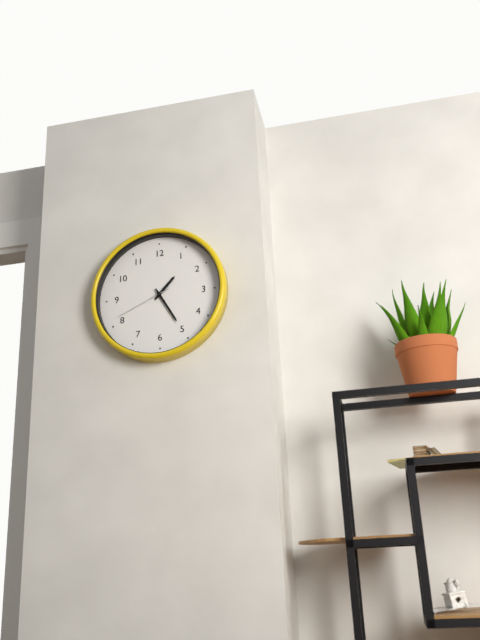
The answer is 1:25:41
